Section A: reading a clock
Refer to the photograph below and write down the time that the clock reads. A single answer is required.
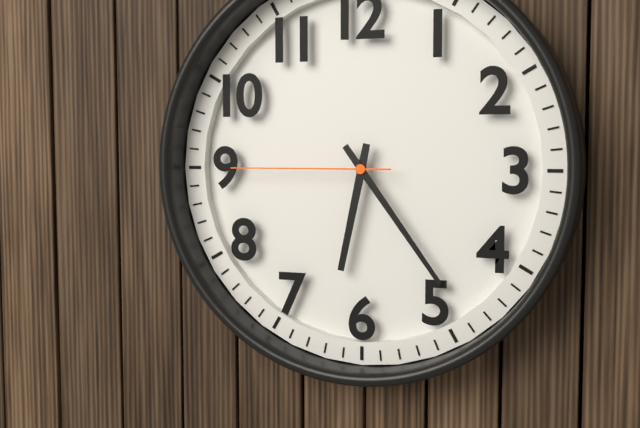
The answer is 6:24:45
